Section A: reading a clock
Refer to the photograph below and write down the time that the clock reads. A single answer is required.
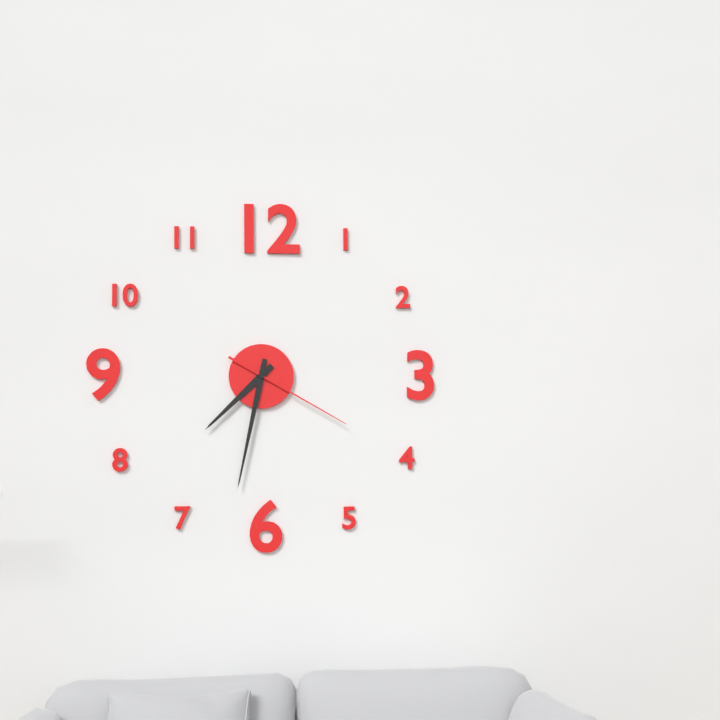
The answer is 7:32:20
